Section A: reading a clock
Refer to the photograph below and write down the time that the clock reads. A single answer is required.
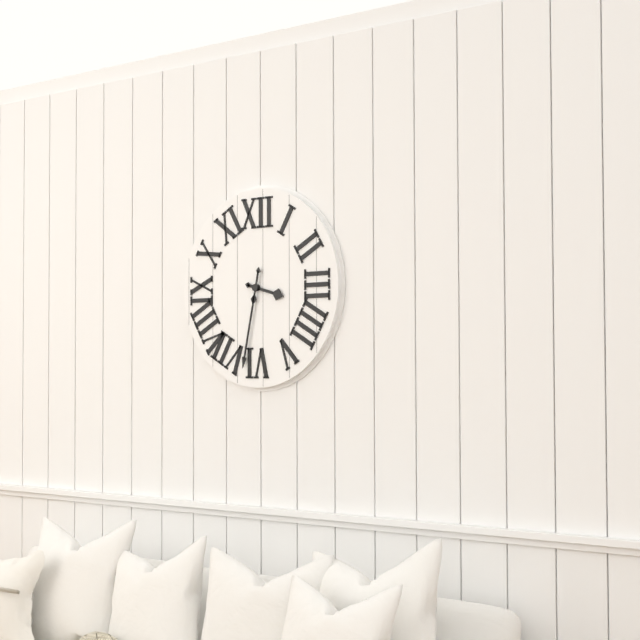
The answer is 3:32
